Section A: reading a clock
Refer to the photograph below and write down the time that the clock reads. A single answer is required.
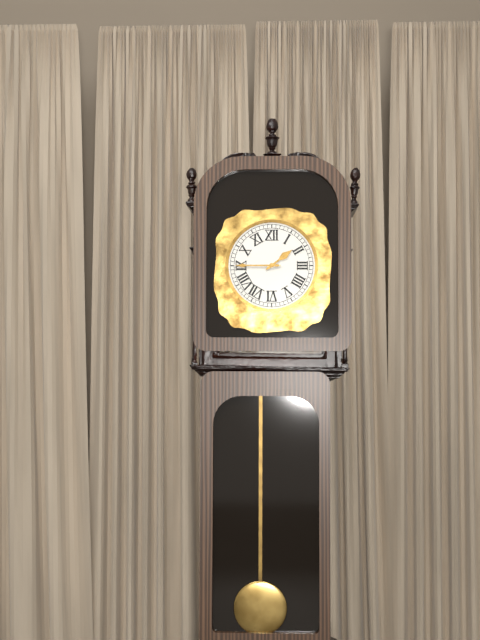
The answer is 1:45
